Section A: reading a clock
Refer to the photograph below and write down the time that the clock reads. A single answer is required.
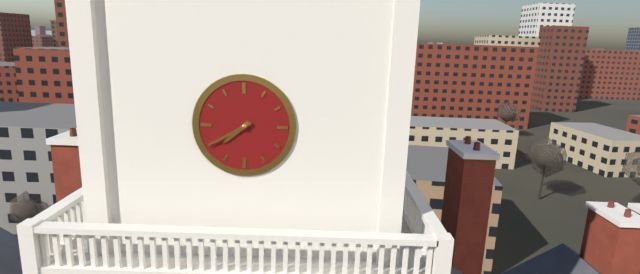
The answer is 7:40
